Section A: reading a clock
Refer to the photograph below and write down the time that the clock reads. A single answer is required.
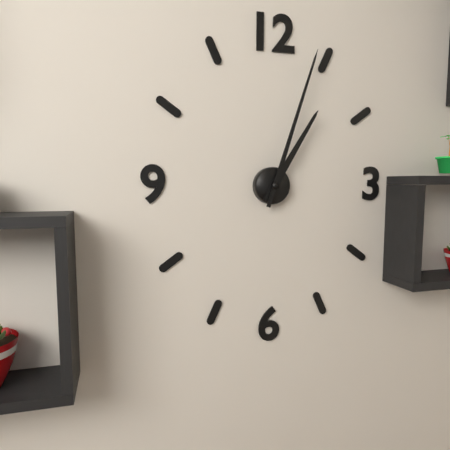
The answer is 1:03
